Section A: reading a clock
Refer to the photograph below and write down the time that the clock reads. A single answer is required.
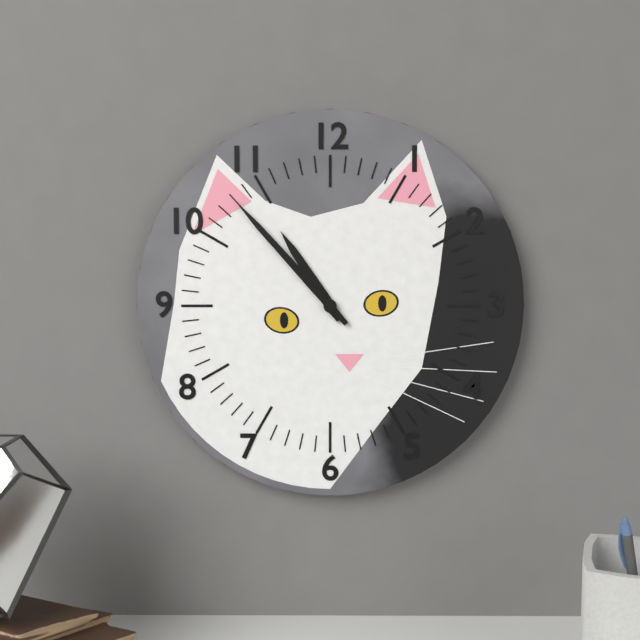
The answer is 10:53
